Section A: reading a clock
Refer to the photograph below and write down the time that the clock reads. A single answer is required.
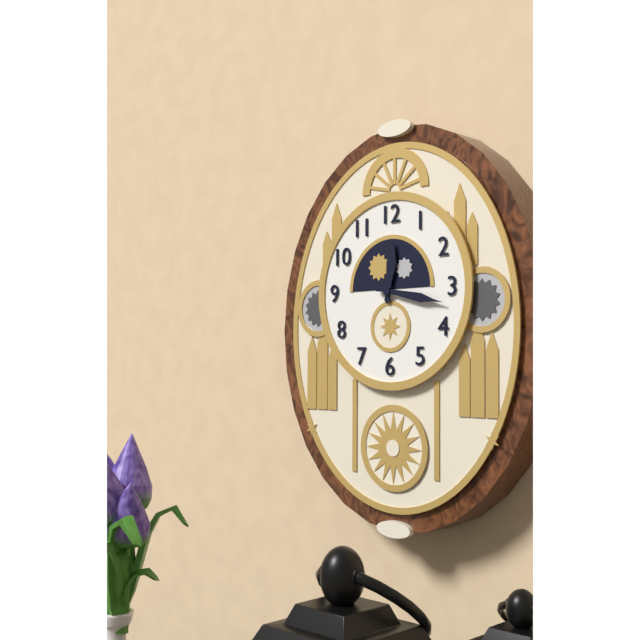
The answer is 12:17
